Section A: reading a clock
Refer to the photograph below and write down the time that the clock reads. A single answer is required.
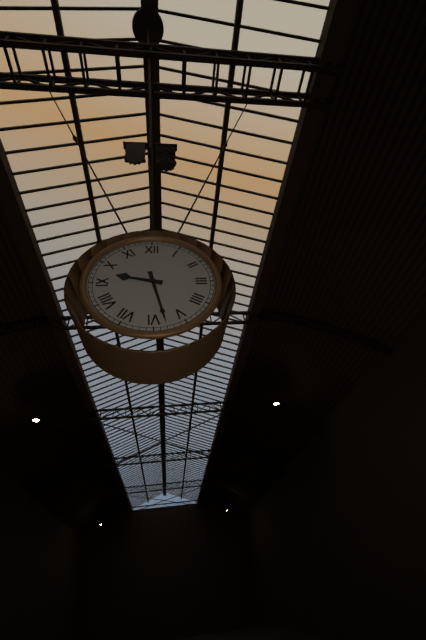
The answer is 9:28
